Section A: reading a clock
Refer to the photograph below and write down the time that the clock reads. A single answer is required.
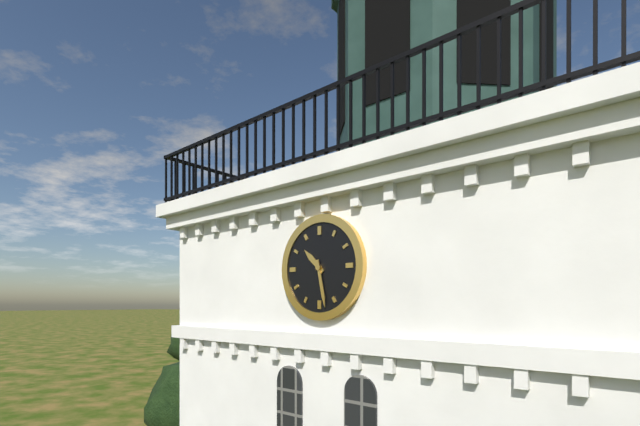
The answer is 10:28
